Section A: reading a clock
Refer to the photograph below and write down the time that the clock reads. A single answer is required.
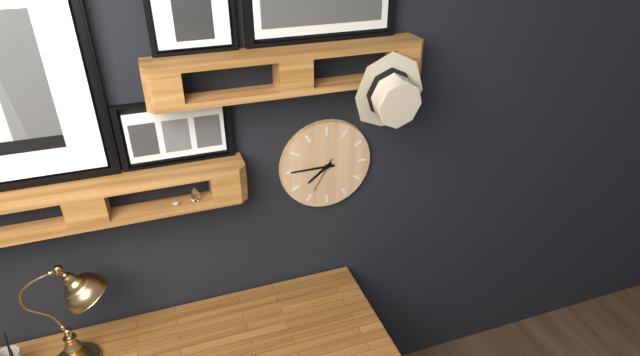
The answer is 7:45
